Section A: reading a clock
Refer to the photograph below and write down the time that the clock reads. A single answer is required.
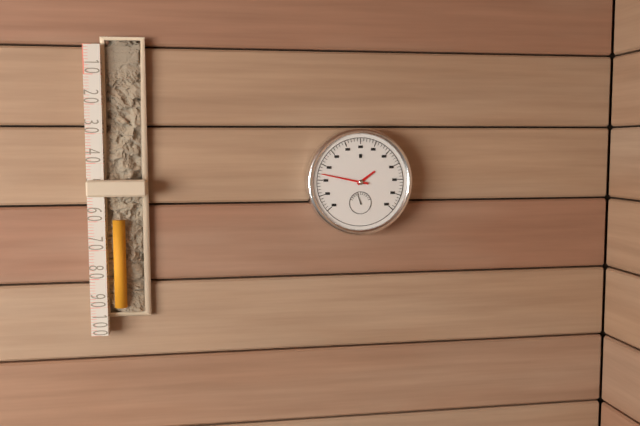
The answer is 1:47
